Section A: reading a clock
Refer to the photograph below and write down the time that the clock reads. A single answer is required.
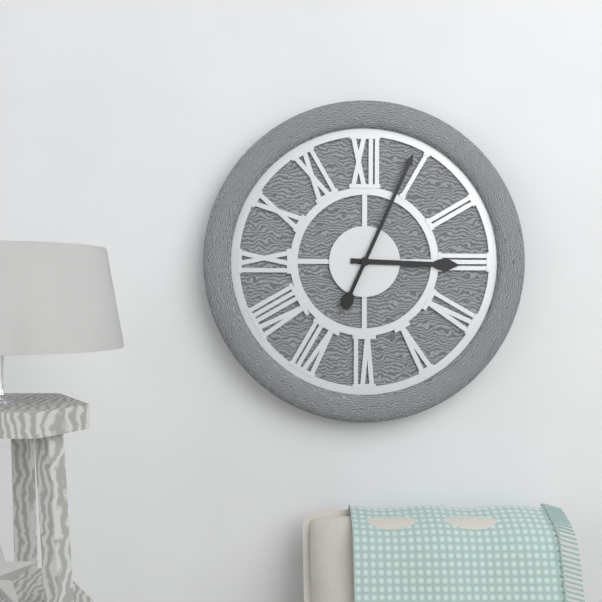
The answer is 3:04
